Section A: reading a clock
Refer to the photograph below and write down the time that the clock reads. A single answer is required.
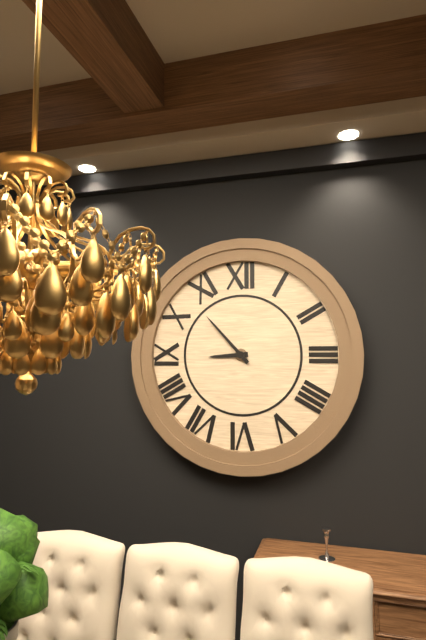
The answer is 8:53
